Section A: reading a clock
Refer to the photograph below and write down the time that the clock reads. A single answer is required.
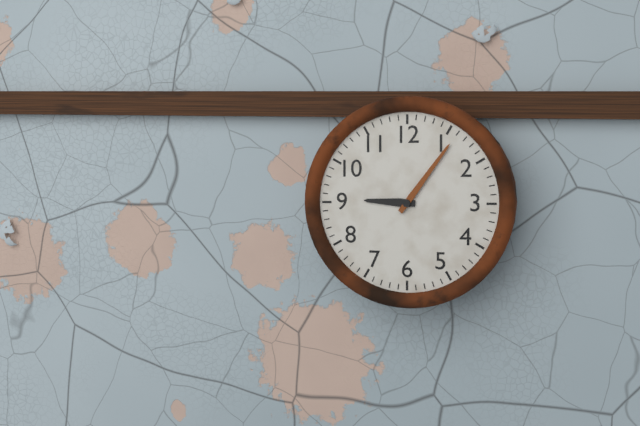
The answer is 9:06
